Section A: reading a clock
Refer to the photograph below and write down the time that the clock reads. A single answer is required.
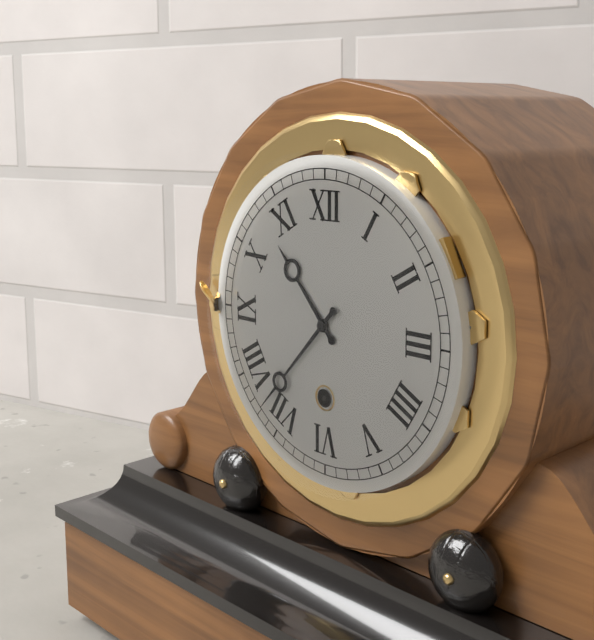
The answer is 10:37
